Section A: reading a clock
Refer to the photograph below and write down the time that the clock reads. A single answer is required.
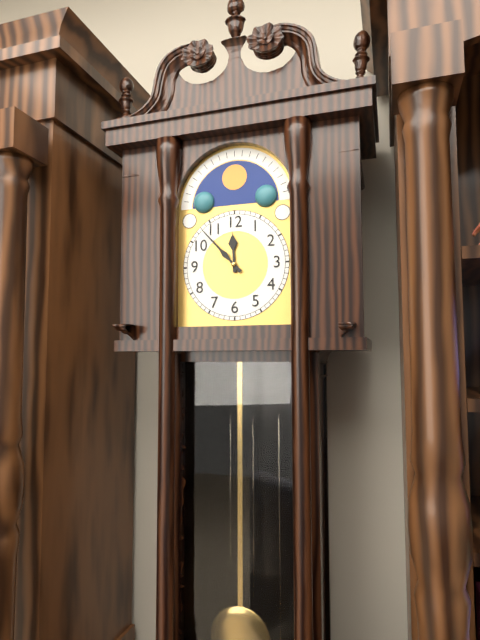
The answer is 11:53
